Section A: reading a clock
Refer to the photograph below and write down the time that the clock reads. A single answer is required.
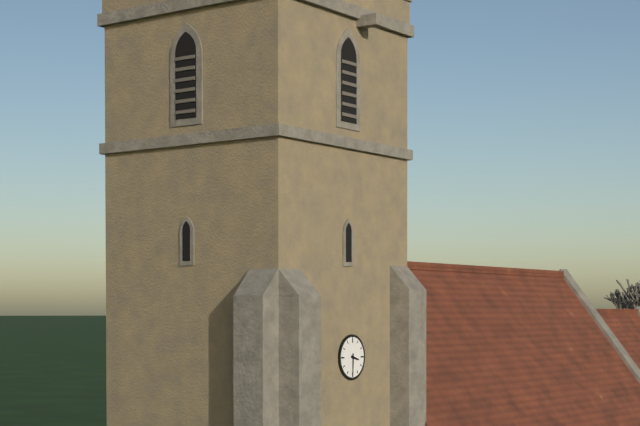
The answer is 3:30
